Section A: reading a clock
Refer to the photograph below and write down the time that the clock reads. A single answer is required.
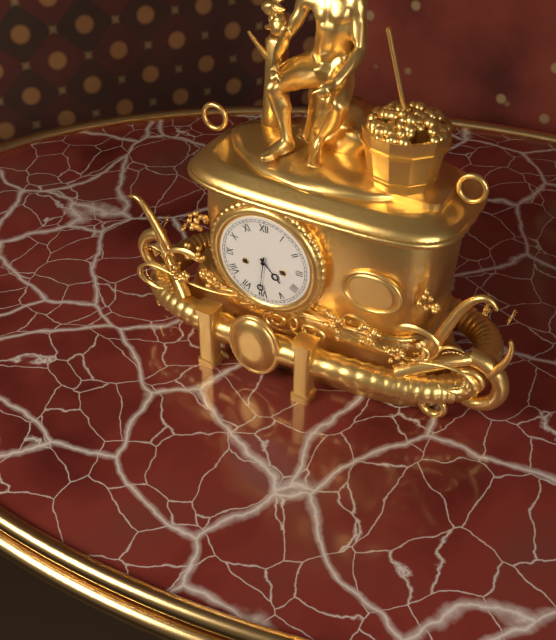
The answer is 4:31
